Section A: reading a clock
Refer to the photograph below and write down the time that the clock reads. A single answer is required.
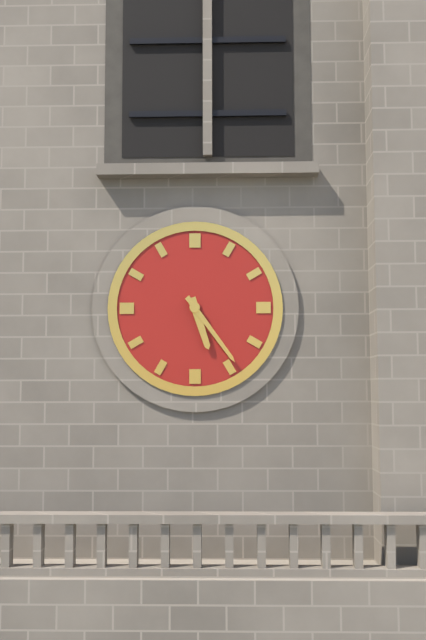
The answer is 5:24
